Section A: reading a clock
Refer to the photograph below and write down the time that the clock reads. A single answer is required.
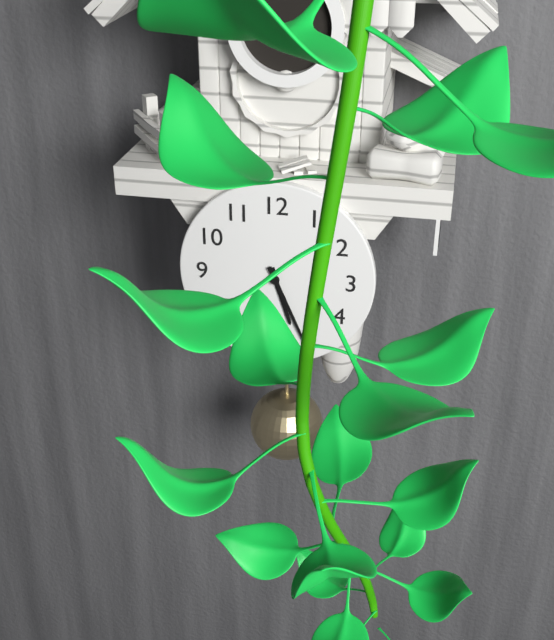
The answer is 5:26
